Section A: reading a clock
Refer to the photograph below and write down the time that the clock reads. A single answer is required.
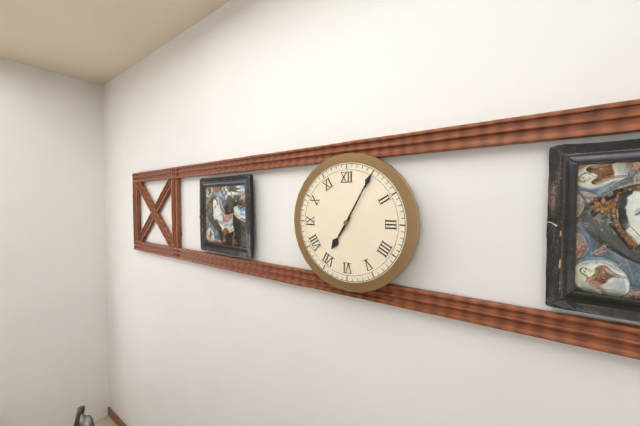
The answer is 7:05
